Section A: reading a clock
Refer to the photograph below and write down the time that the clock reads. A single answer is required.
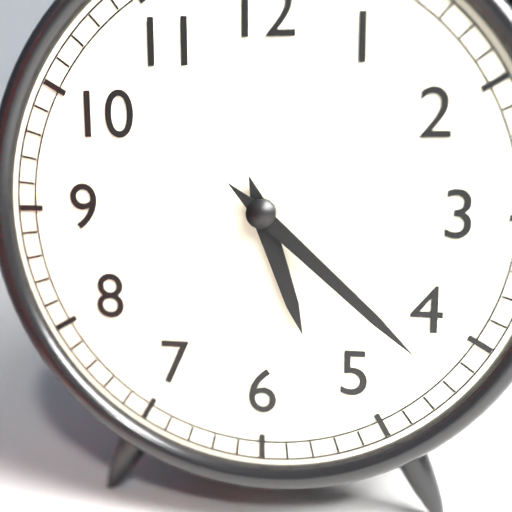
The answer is 5:22
